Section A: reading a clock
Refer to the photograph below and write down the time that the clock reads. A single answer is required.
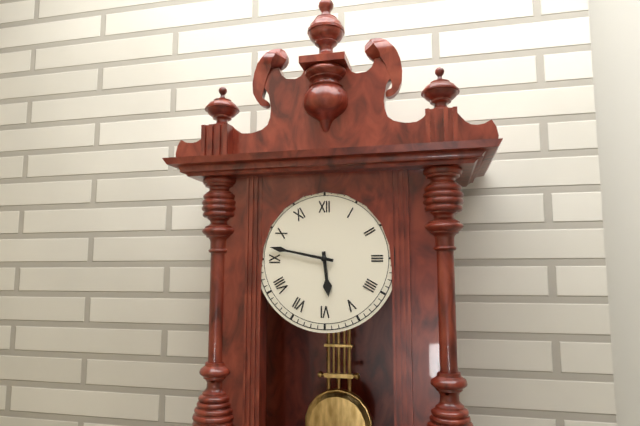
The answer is 5:47
